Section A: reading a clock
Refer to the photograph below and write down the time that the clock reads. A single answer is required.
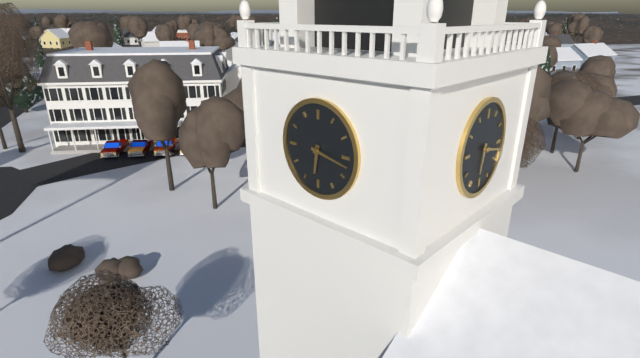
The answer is 6:17
